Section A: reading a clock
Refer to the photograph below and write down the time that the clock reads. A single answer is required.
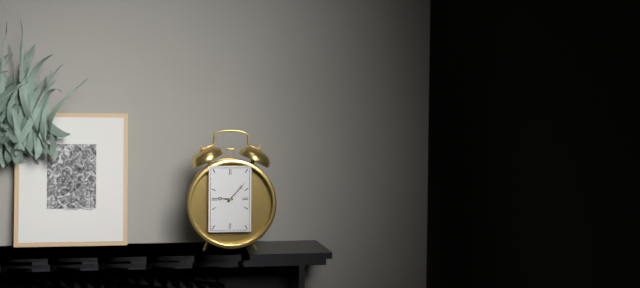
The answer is 9:07
